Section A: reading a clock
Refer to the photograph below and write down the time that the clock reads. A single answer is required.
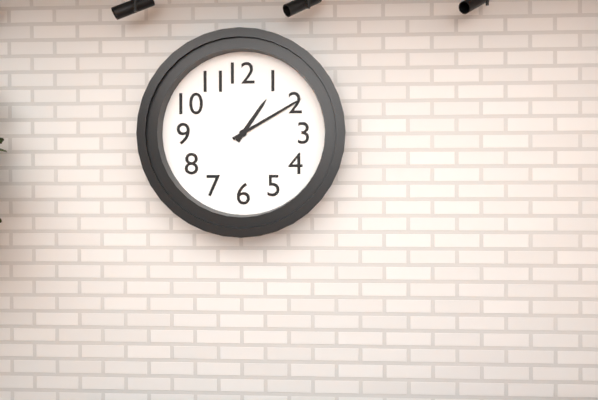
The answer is 1:10
